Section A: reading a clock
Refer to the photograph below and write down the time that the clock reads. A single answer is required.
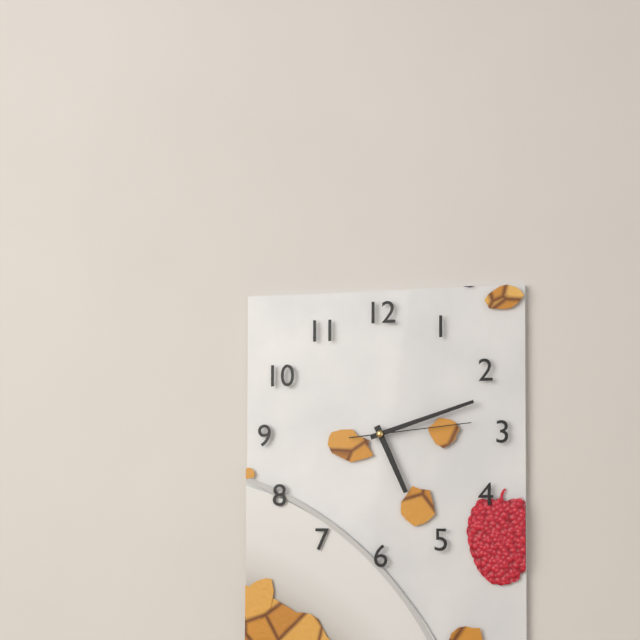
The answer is 5:12:14
